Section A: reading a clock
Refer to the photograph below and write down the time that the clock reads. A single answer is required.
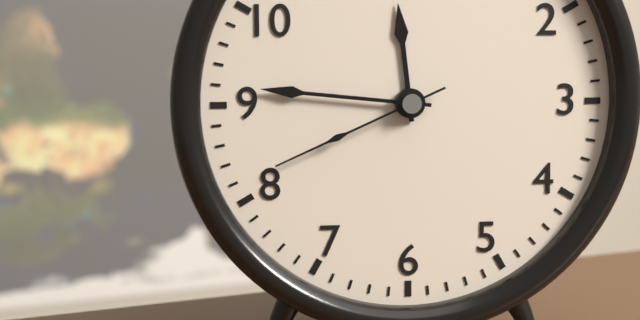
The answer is 11:46:41
